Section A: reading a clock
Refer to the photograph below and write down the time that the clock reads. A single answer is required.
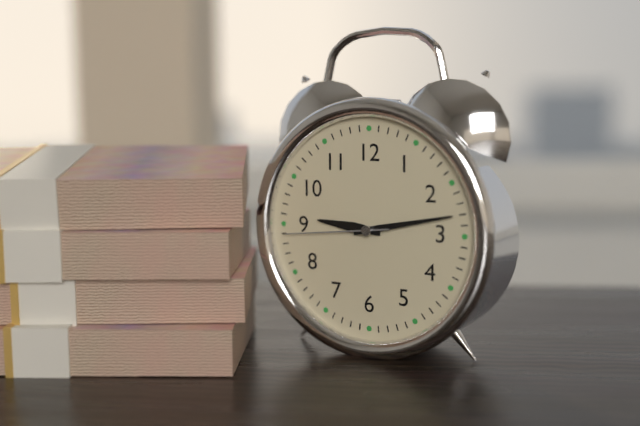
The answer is 9:13:44
